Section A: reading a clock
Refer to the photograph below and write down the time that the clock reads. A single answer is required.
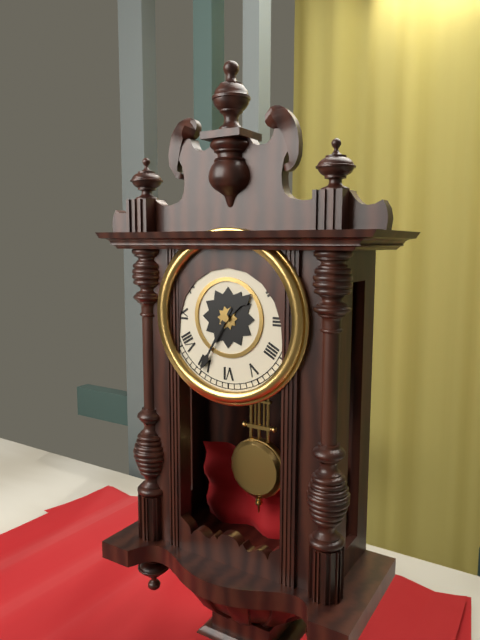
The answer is 1:35
